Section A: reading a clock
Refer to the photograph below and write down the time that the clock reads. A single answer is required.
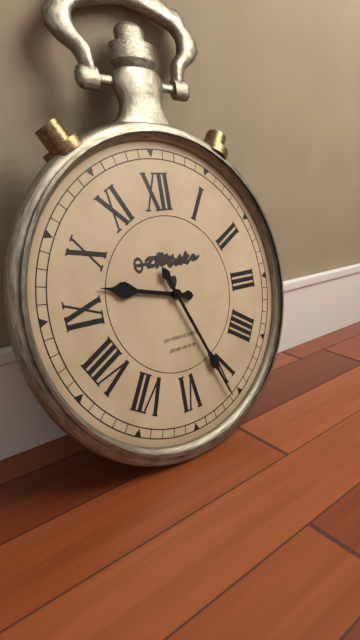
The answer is 9:26
